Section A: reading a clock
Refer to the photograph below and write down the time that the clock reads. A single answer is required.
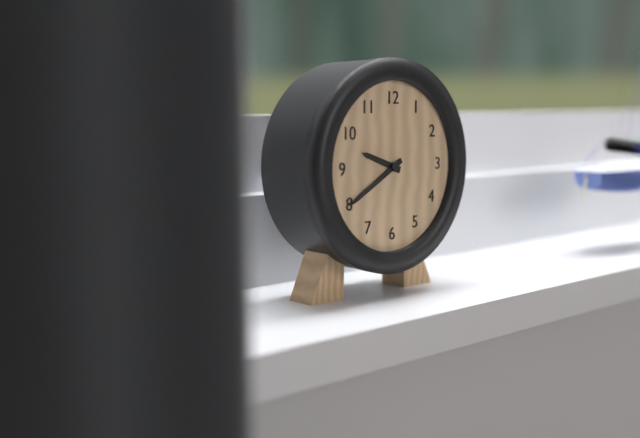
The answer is 9:40
